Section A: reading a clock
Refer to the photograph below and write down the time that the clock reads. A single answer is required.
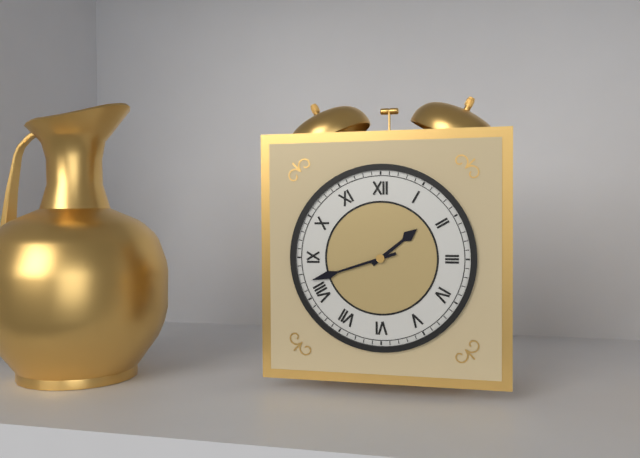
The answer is 1:42
